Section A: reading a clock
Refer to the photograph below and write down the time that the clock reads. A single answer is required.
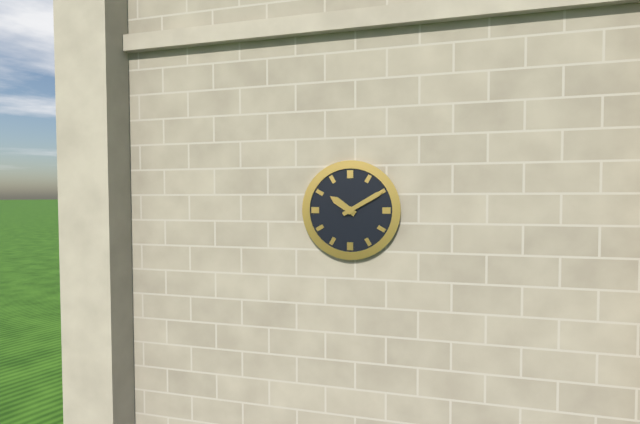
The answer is 10:10
